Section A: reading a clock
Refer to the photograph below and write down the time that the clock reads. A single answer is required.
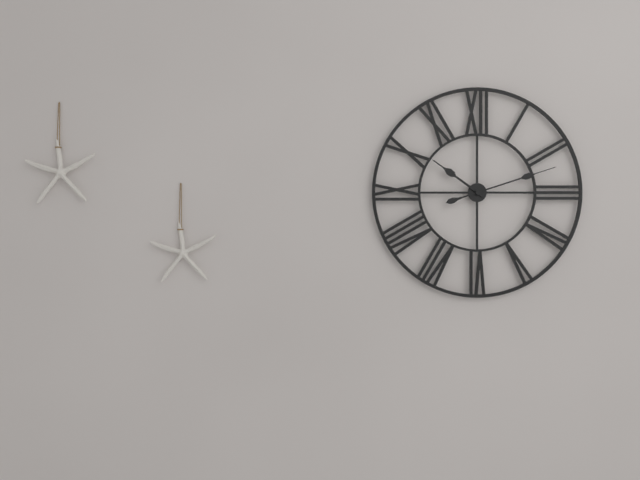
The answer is 10:12
